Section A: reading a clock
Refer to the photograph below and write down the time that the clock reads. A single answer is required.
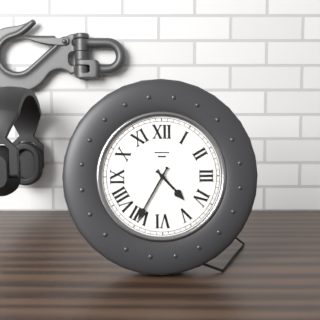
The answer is 4:35
